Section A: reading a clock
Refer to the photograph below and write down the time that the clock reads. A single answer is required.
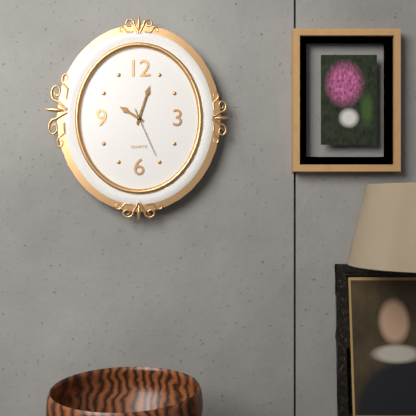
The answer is 10:03
